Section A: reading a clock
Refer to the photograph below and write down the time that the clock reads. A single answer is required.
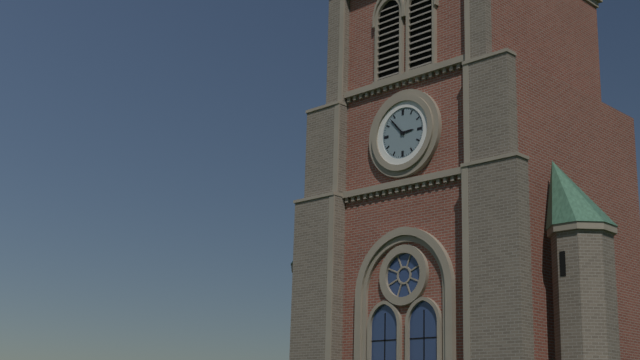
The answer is 2:53
